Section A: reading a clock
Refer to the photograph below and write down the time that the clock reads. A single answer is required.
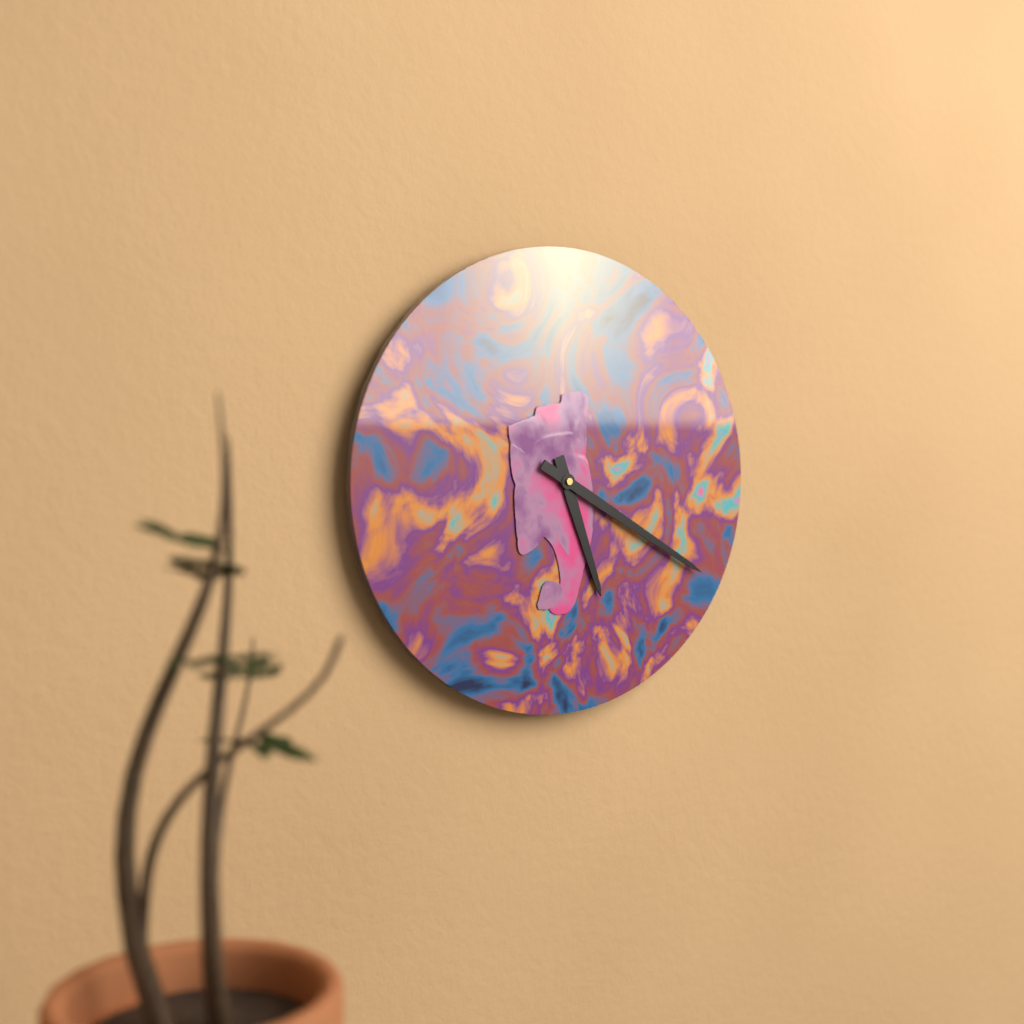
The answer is 5:20
